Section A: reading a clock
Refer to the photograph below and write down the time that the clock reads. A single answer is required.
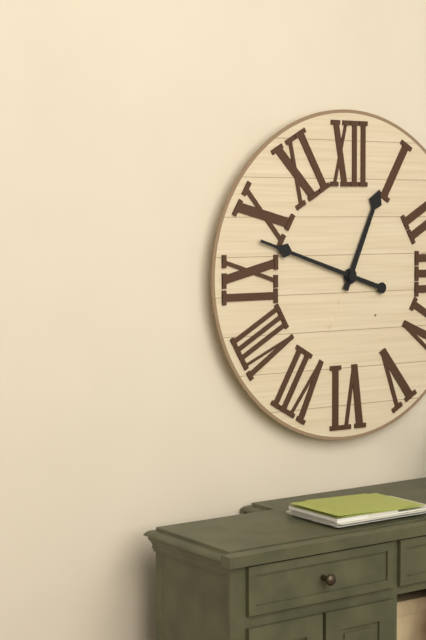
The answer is 12:48
